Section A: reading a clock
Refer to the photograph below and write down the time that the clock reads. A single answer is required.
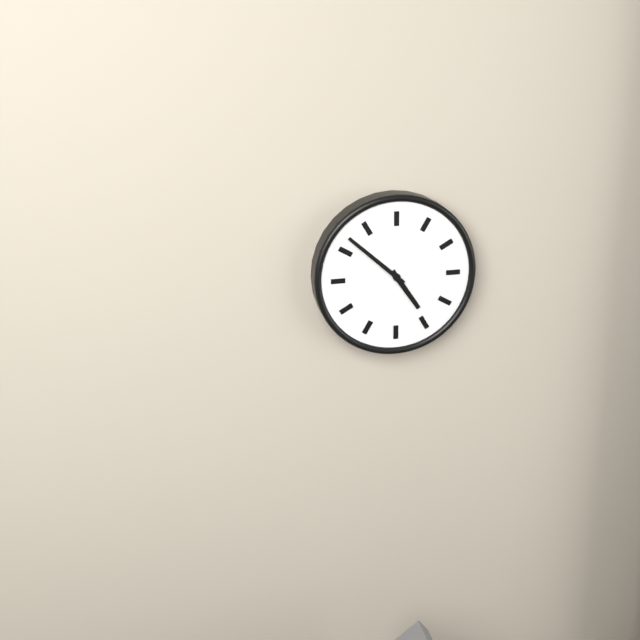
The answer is 4:52
